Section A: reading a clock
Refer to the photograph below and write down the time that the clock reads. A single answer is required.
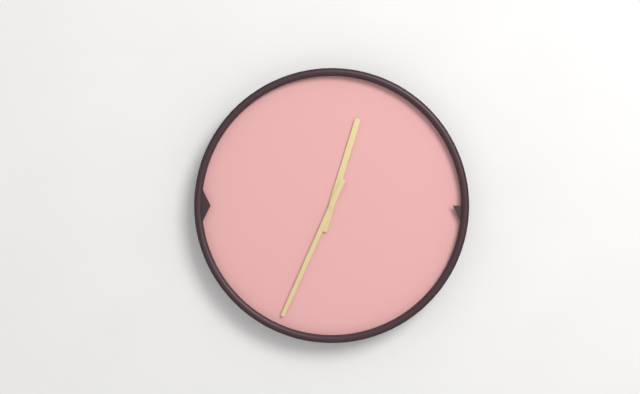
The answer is 12:34
